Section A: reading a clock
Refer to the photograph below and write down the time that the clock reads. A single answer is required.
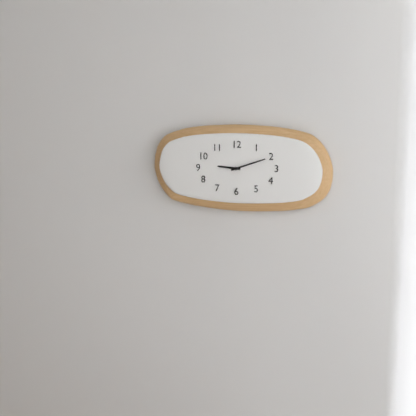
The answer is 9:12
